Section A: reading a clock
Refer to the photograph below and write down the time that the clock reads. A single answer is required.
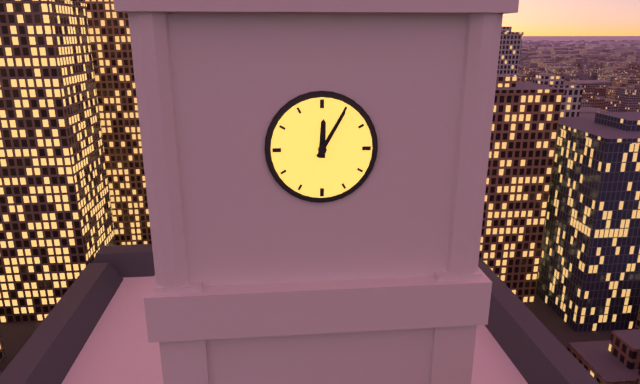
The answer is 12:05
